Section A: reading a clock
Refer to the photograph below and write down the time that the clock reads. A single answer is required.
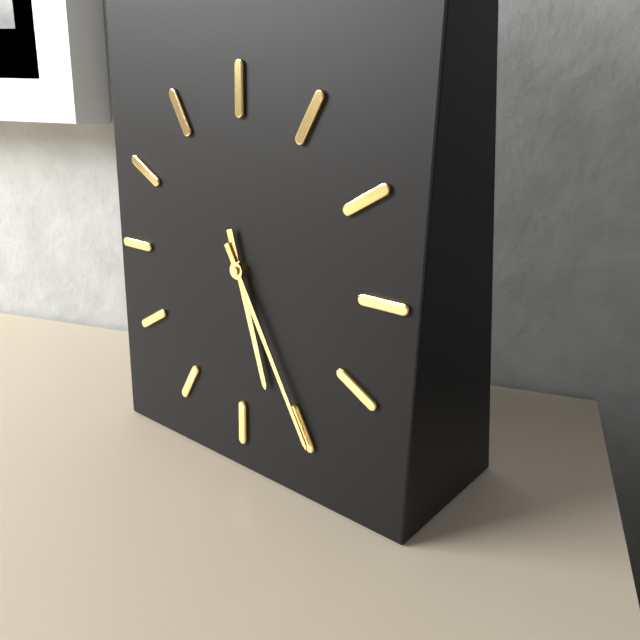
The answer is 5:25
